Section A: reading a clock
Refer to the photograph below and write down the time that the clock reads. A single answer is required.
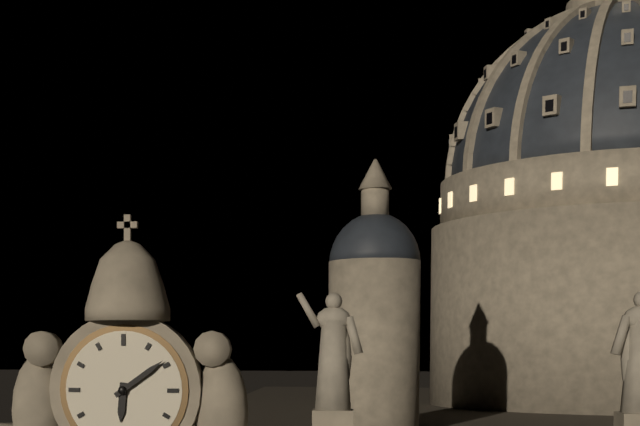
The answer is 6:09
